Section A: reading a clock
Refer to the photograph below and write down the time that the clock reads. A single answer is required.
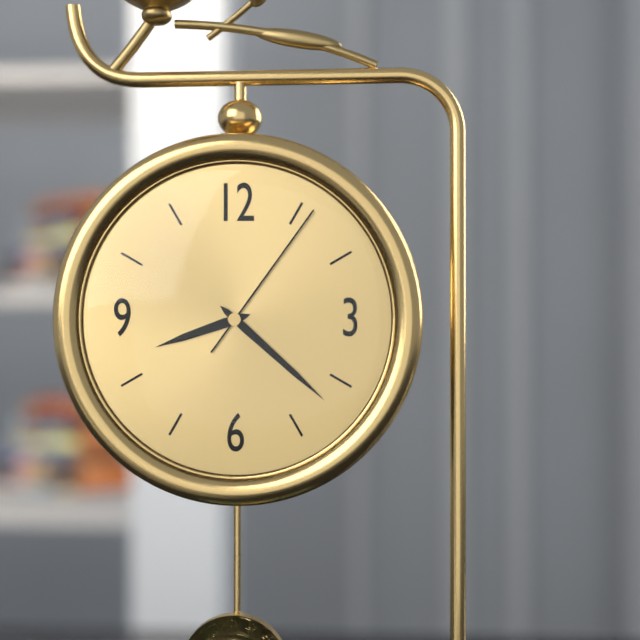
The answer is 8:22:06
